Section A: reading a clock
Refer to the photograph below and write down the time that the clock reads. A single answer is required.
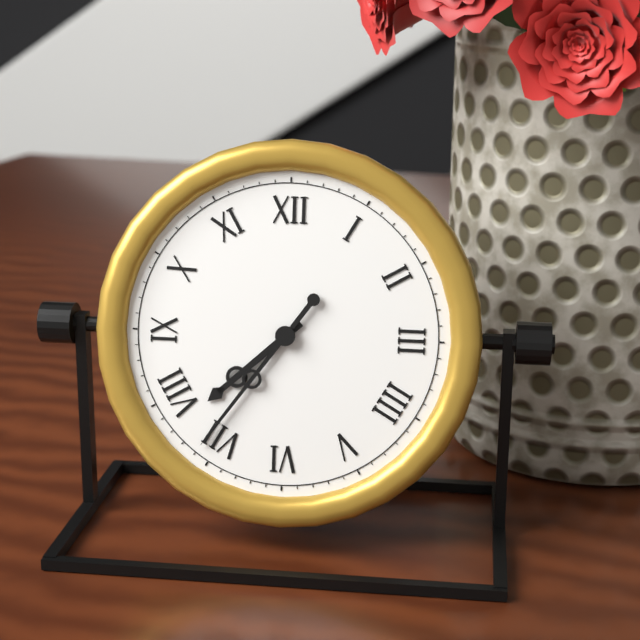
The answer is 7:36
